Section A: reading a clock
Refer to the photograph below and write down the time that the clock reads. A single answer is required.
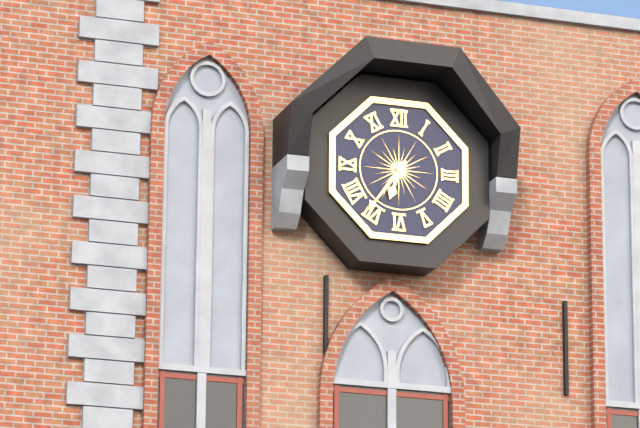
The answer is 6:36
